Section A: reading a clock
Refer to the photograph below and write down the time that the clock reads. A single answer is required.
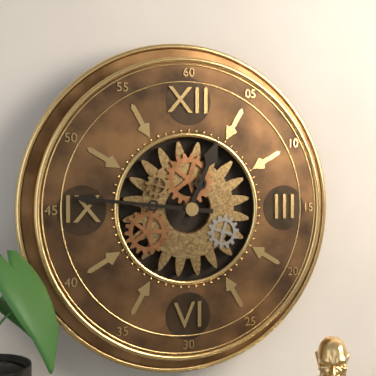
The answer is 12:46
